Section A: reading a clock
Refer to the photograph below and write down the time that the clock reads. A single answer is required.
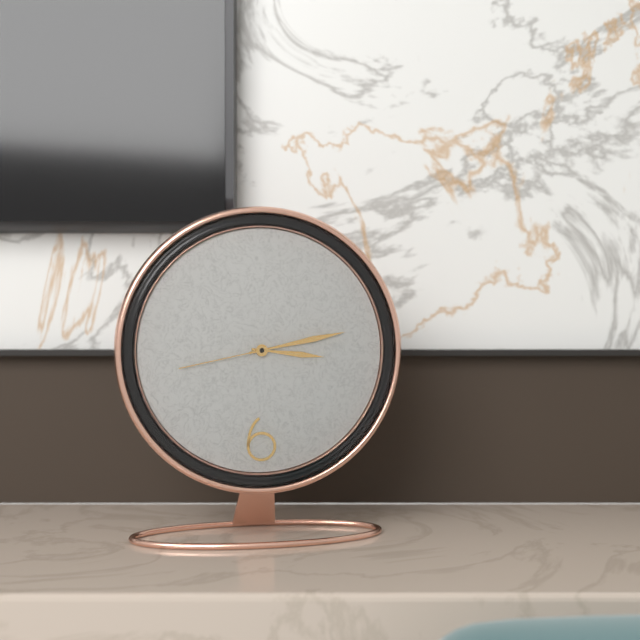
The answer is 3:13:43
